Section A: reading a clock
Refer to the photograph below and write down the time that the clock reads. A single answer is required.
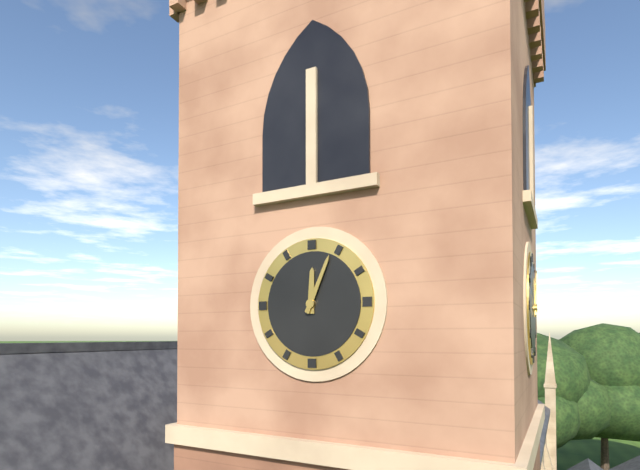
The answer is 12:04
